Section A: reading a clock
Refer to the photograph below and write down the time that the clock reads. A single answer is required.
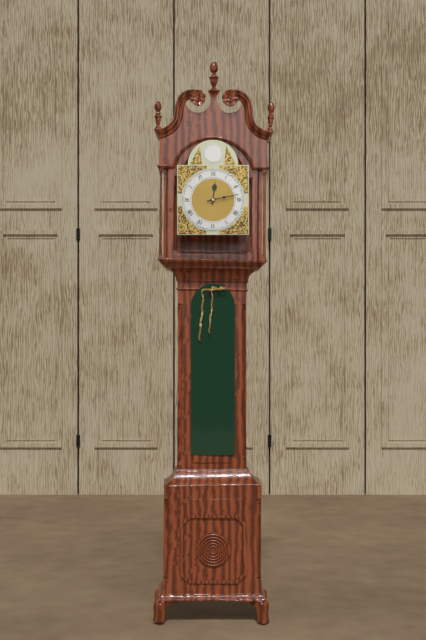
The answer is 12:13
